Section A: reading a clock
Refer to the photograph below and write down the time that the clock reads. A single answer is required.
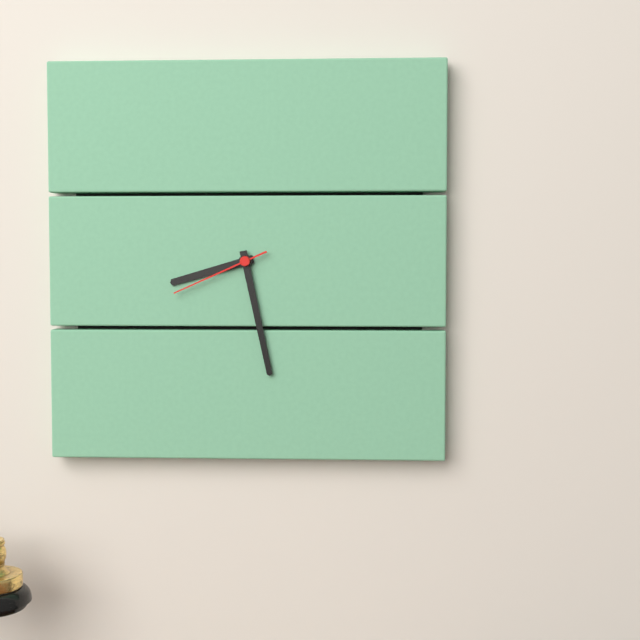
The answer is 8:28:41
